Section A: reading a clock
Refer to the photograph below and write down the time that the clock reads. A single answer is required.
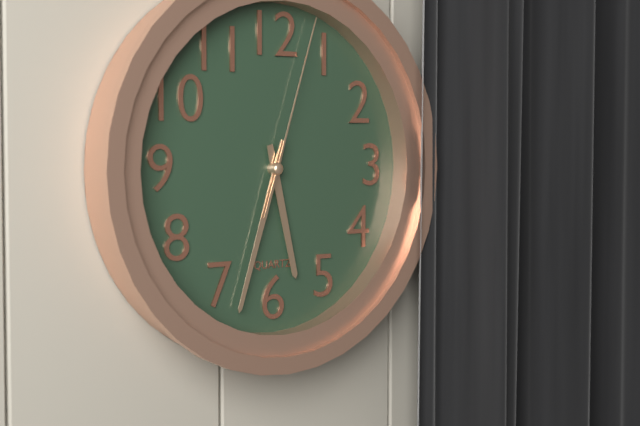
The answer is 5:33:03
